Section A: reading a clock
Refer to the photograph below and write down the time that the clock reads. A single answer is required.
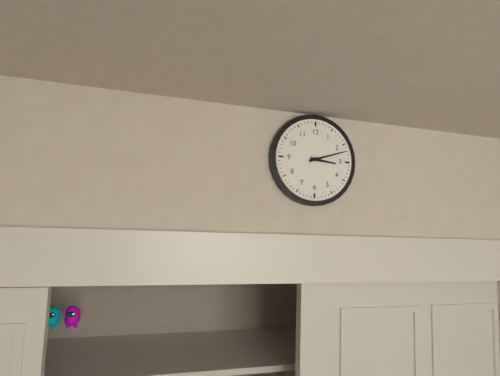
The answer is 3:12
